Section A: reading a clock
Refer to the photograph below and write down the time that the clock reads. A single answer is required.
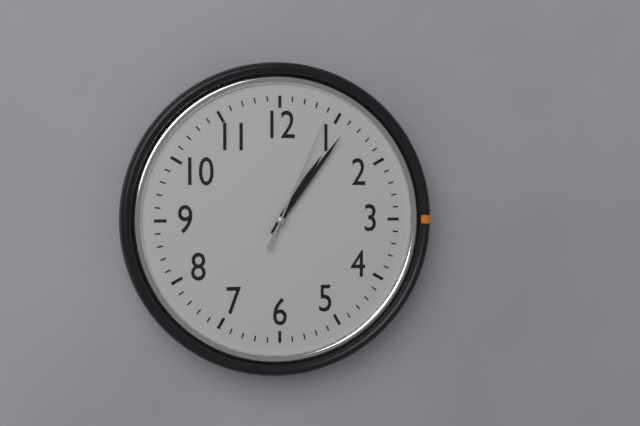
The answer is 1:06:04
